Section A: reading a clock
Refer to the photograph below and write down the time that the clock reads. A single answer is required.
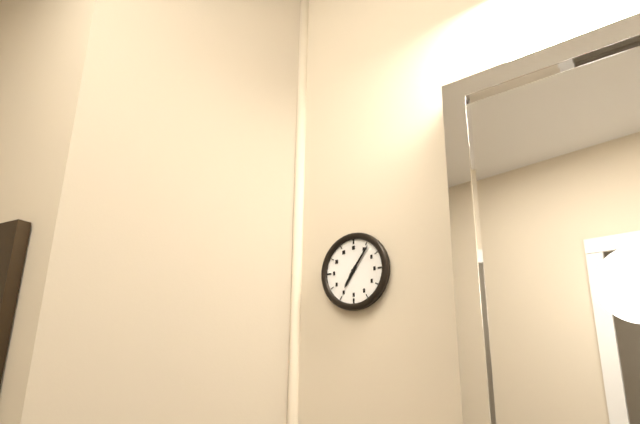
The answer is 7:06
